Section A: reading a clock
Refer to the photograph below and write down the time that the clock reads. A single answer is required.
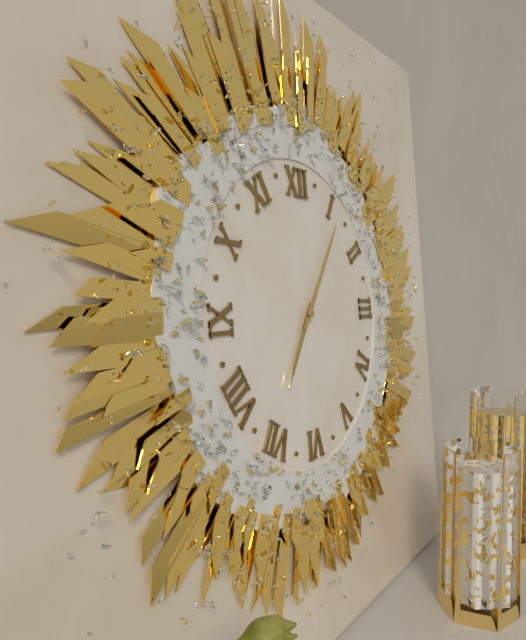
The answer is 7:06
